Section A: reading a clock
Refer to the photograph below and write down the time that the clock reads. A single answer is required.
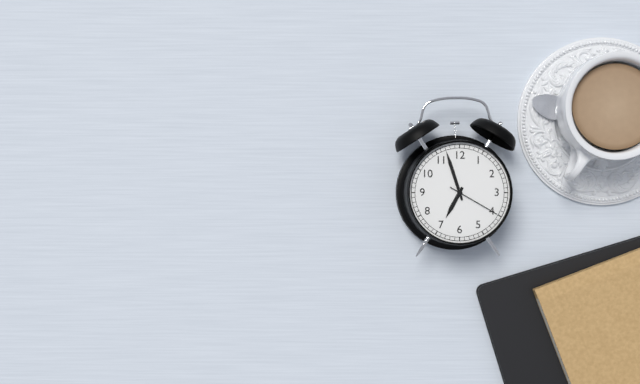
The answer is 6:57:20
